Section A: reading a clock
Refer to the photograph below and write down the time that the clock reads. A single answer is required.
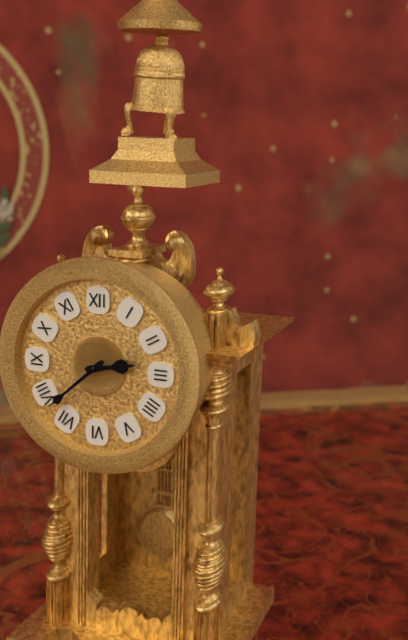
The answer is 2:38
